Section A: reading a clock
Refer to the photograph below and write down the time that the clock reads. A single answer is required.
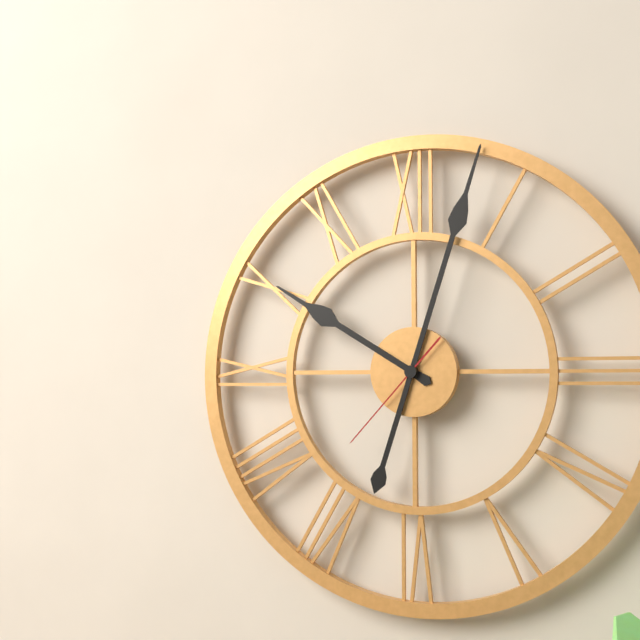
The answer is 10:03:37
